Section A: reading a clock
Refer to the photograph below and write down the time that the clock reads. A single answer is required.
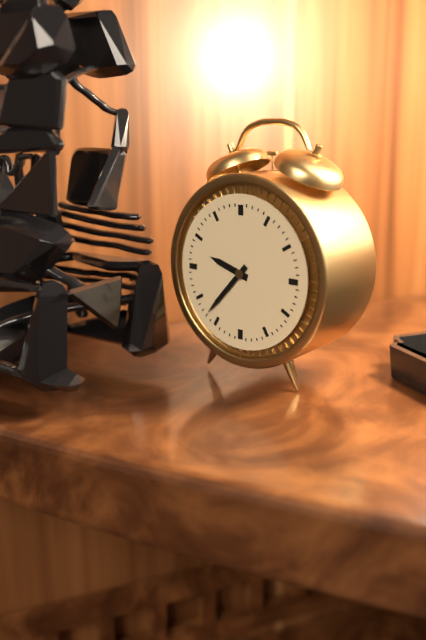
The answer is 9:37
